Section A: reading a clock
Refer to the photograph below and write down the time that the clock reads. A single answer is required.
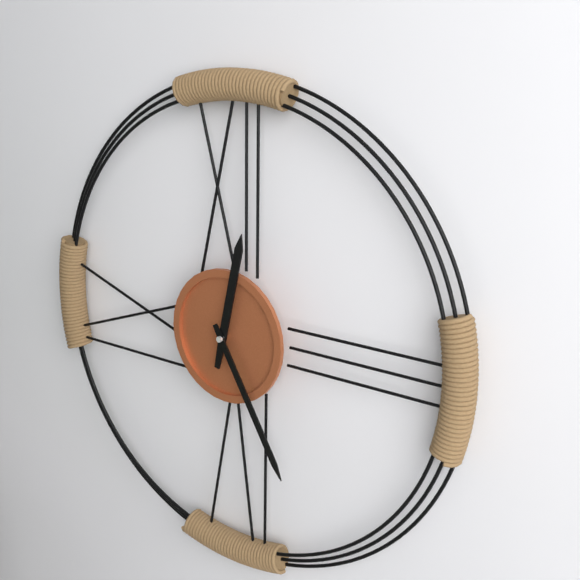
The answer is 12:25
